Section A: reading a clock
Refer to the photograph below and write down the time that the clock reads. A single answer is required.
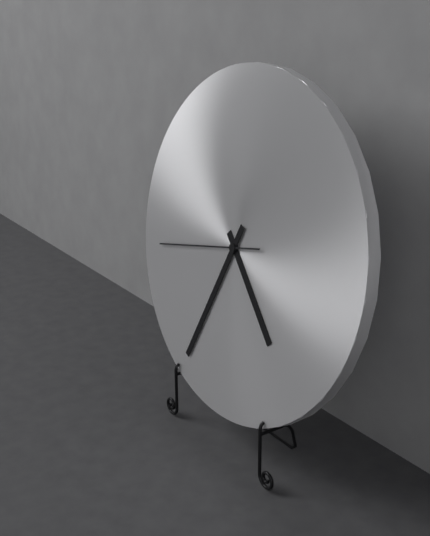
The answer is 4:34:43
